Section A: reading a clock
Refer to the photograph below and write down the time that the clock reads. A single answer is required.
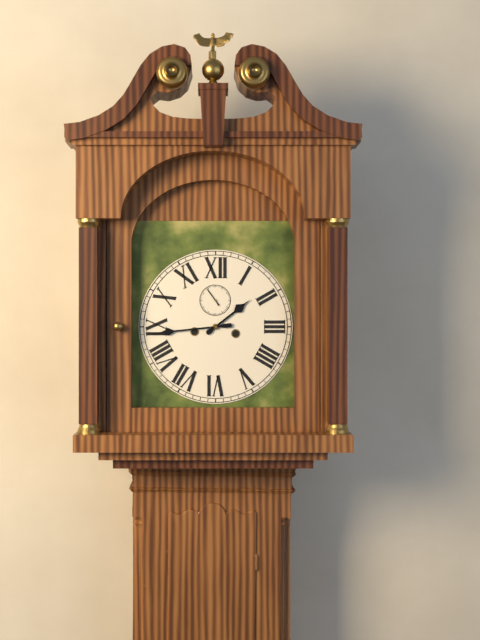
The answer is 1:44
